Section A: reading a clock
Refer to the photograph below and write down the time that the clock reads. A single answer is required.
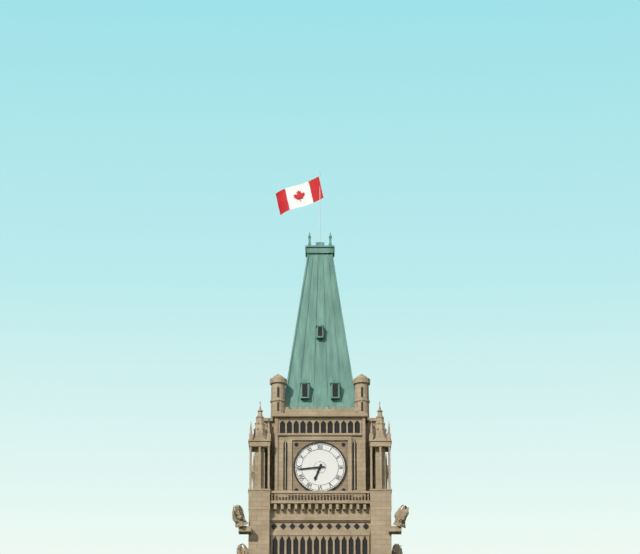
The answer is 6:44
